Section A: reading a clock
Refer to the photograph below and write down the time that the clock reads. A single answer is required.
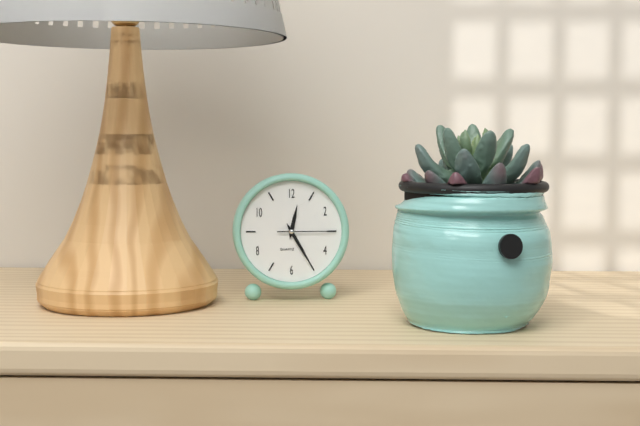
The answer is 12:25:15
